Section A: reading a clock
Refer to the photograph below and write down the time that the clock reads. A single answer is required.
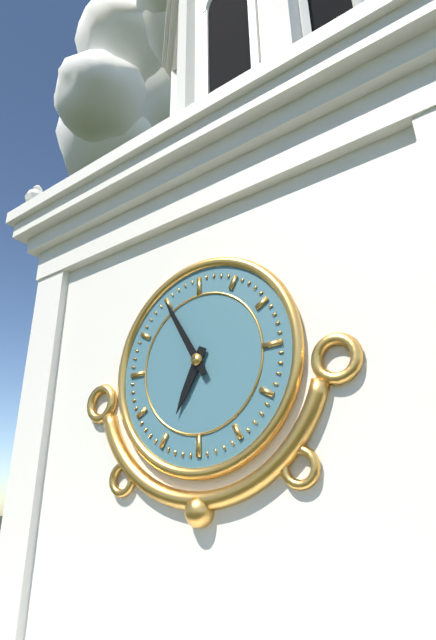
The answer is 6:55
